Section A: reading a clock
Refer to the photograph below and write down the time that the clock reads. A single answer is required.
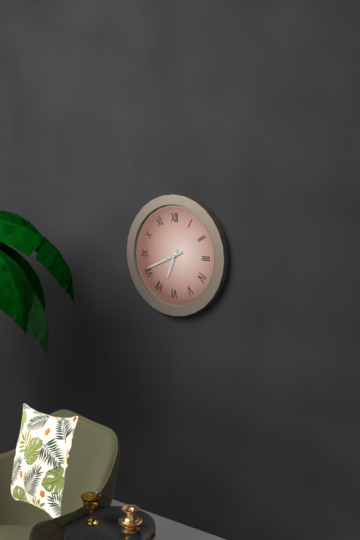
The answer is 6:41
